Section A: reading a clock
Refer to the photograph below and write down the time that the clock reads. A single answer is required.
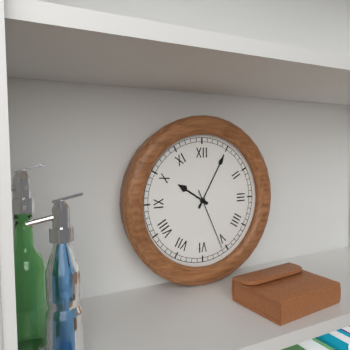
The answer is 10:05:26
